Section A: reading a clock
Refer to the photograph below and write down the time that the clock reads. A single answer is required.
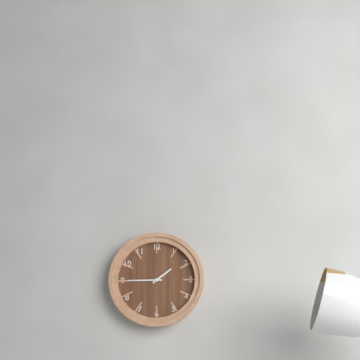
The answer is 1:45
